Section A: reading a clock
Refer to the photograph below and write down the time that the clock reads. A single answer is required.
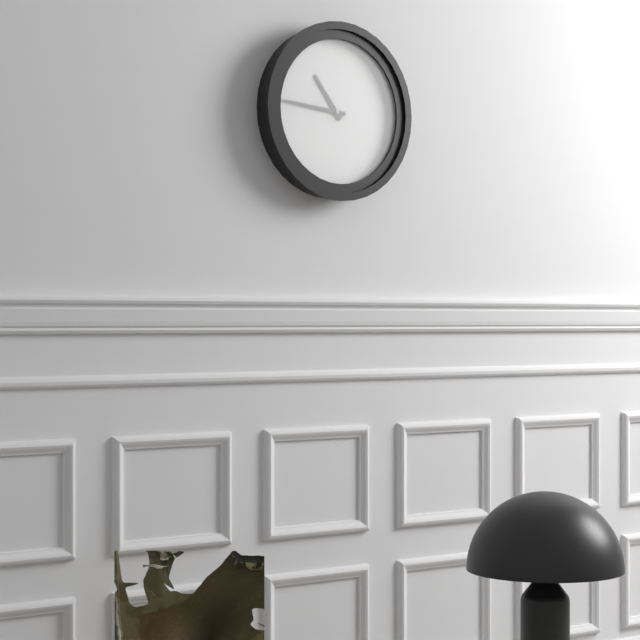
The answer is 10:46
